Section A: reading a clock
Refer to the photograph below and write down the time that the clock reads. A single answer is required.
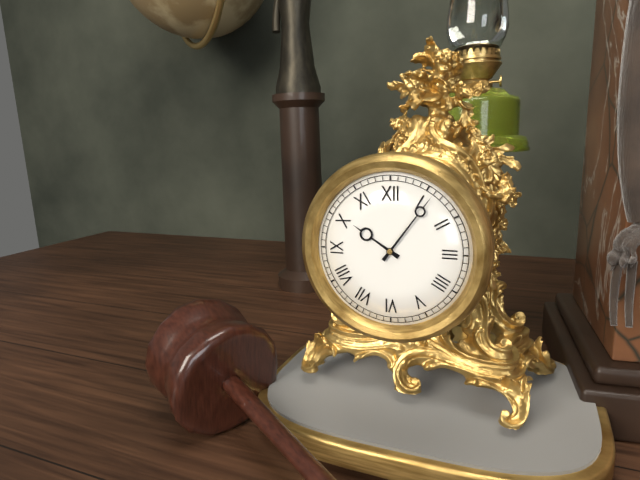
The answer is 10:06
